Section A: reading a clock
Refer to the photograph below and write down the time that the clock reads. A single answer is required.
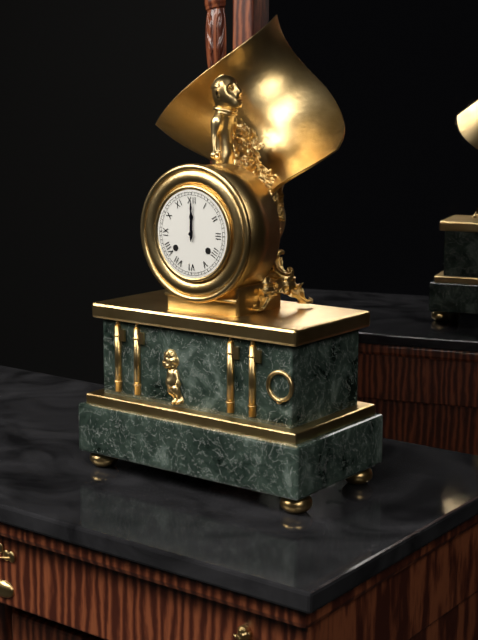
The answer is 12:00
